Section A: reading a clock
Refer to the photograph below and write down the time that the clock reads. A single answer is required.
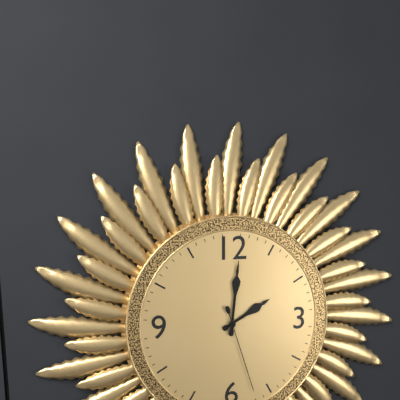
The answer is 2:01:27
